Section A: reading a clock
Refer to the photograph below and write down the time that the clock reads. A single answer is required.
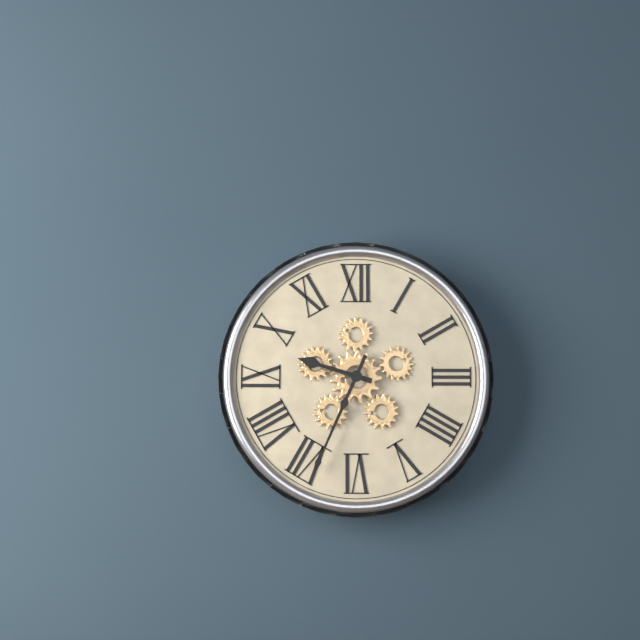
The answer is 9:34
